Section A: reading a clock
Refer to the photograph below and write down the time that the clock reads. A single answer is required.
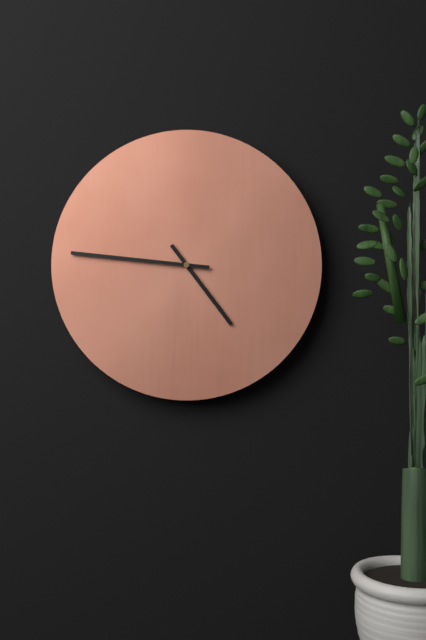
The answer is 4:46
